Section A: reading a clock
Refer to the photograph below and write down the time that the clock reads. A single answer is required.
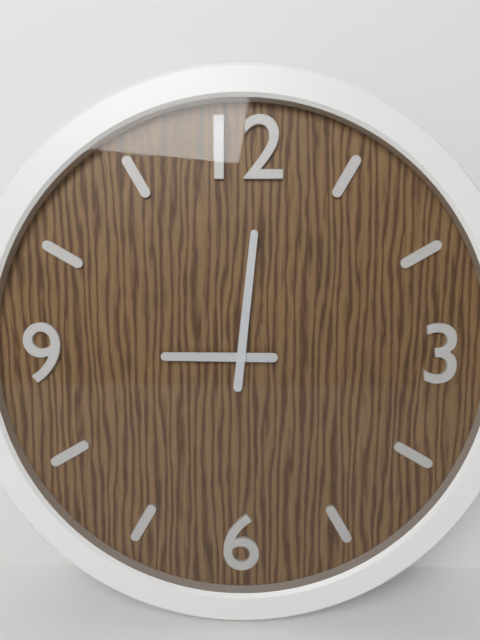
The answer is 9:01
